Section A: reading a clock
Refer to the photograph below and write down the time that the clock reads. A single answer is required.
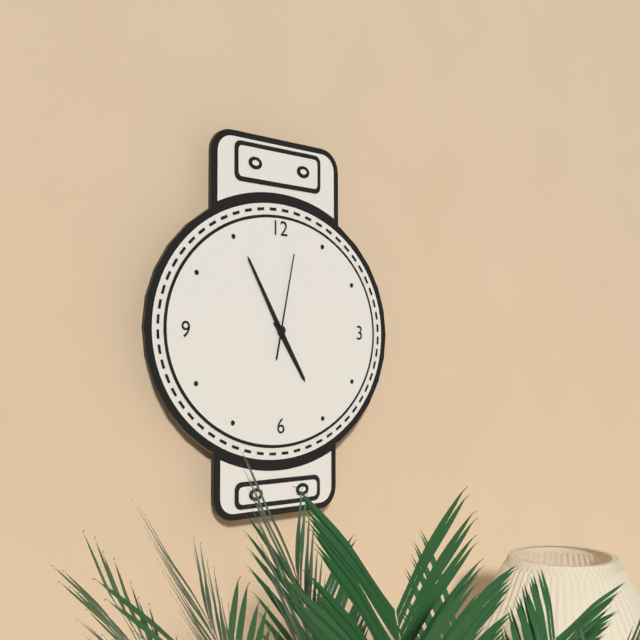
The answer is 4:55:02
